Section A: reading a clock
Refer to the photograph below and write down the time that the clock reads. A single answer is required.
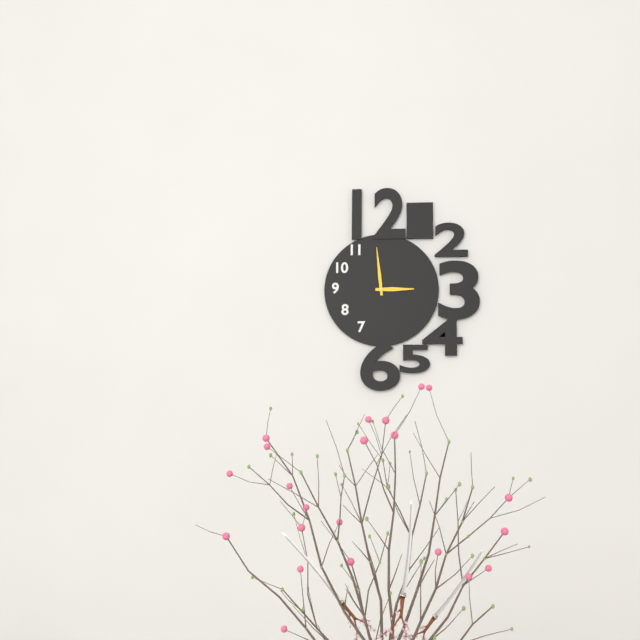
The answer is 2:59
